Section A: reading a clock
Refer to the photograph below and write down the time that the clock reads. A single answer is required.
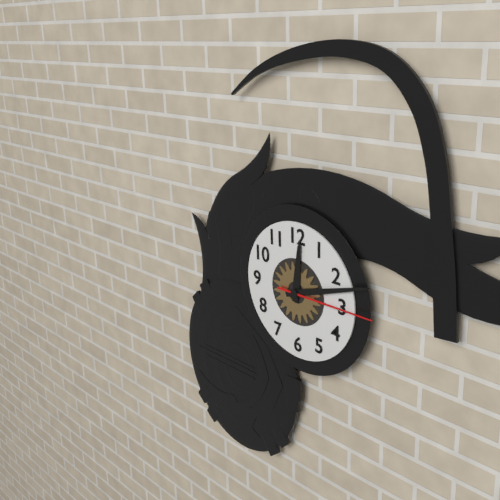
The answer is 12:12:15
